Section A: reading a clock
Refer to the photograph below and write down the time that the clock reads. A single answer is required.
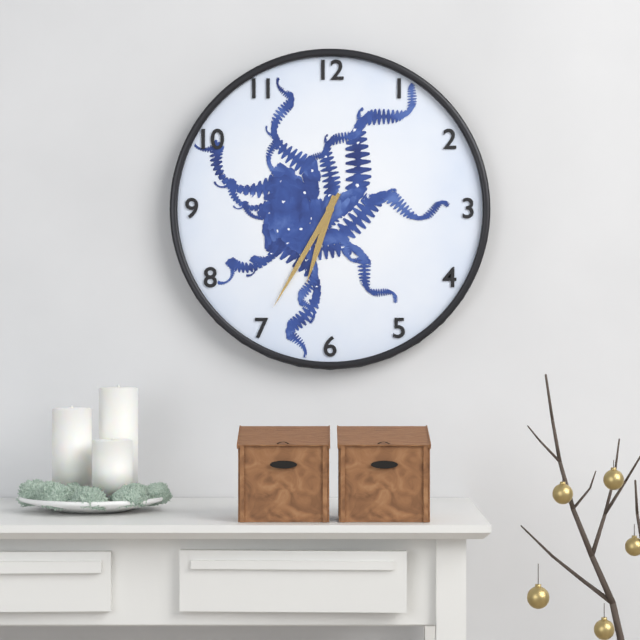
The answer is 6:35
